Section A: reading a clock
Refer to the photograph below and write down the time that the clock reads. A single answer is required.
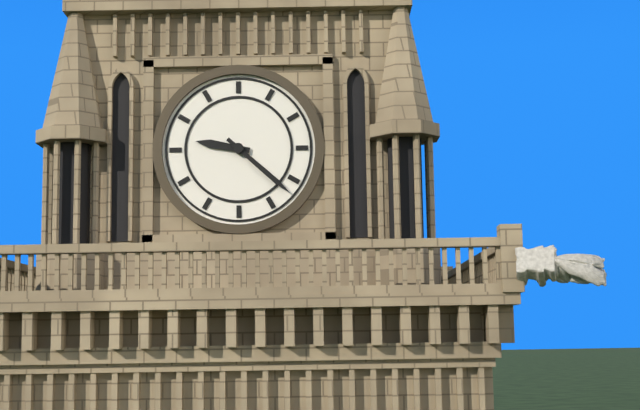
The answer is 9:22
